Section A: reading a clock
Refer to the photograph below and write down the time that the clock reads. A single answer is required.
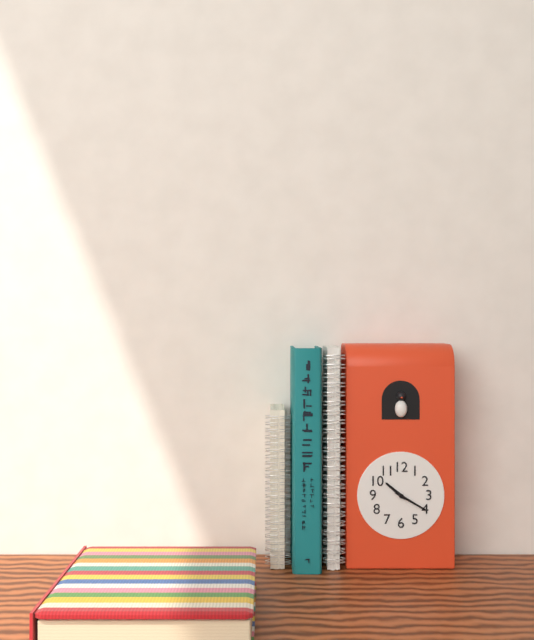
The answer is 10:20
